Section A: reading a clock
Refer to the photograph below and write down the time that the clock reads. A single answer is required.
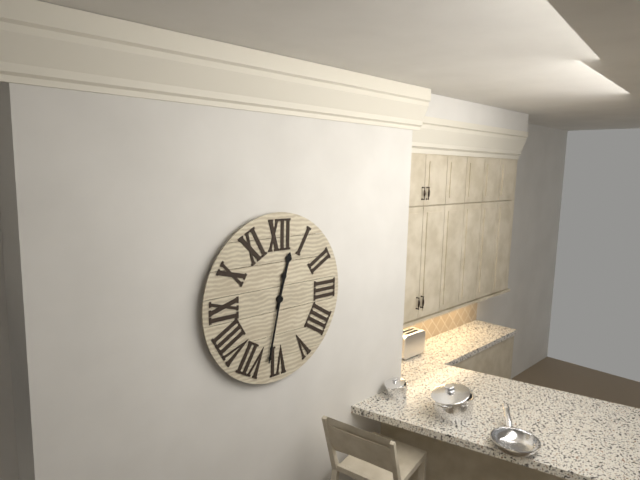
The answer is 12:32
